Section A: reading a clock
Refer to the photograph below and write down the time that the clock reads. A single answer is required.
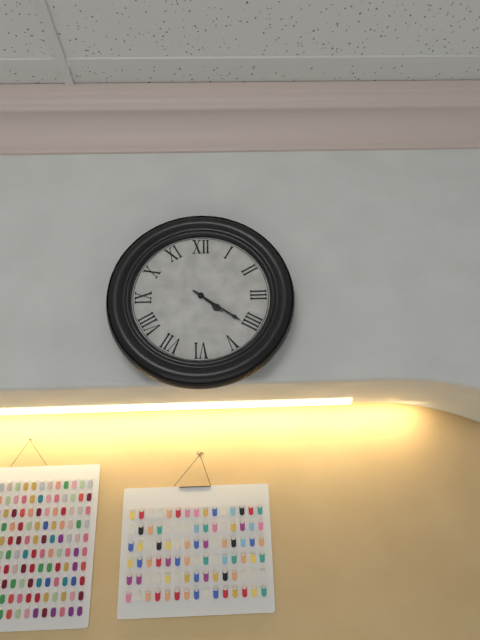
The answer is 4:21
